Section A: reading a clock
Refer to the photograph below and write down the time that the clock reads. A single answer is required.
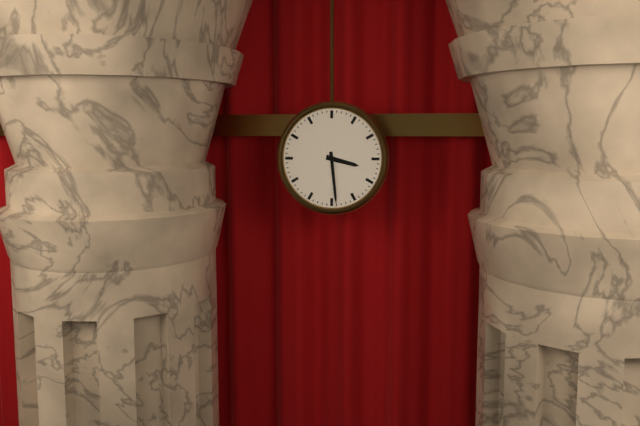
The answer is 3:29
